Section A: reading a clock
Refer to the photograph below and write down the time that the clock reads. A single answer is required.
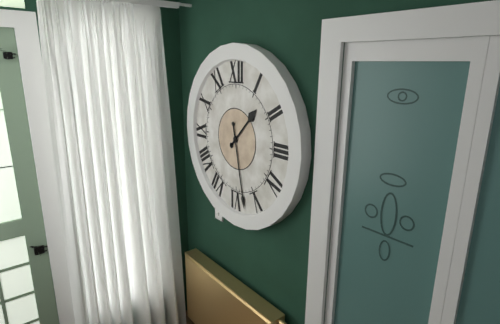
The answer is 1:28
